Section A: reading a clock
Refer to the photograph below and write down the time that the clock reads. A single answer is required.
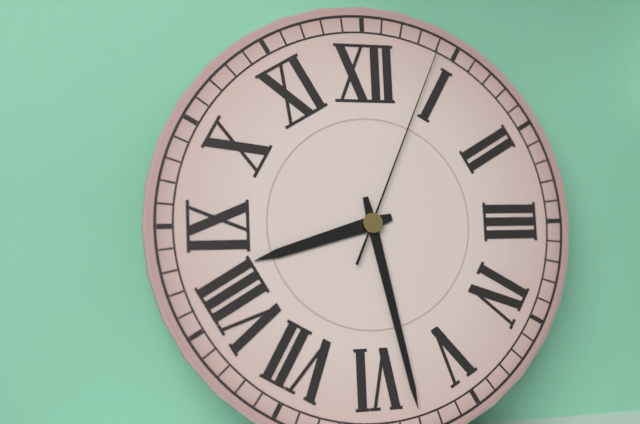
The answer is 8:28:04
